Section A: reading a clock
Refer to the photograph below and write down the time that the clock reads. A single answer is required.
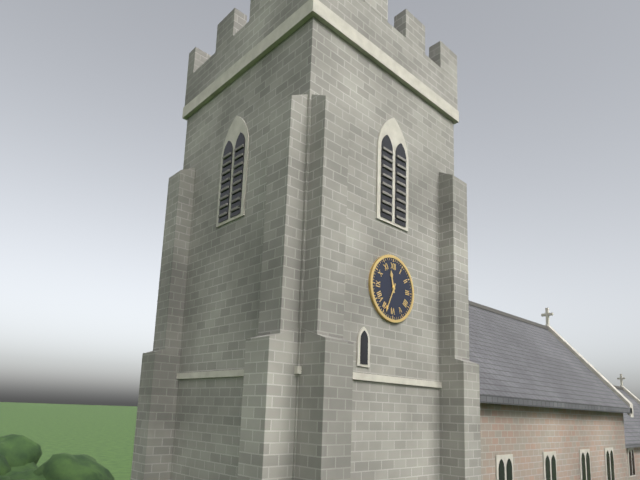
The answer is 11:34
